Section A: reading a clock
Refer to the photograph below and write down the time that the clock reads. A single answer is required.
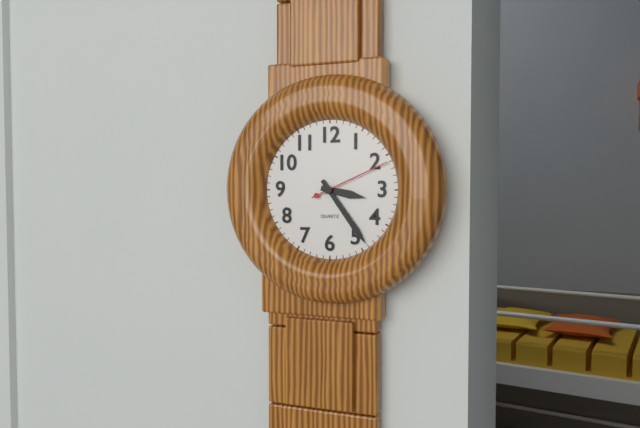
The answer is 3:24:11
